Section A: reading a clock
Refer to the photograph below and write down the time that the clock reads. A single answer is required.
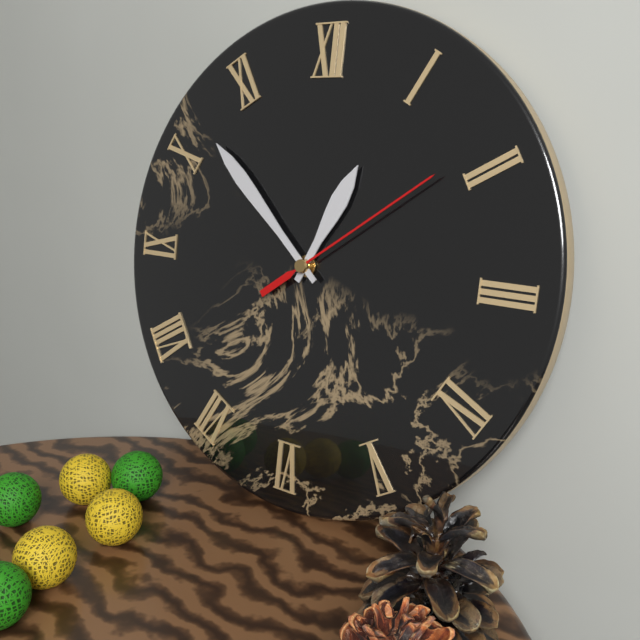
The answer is 12:52:09
